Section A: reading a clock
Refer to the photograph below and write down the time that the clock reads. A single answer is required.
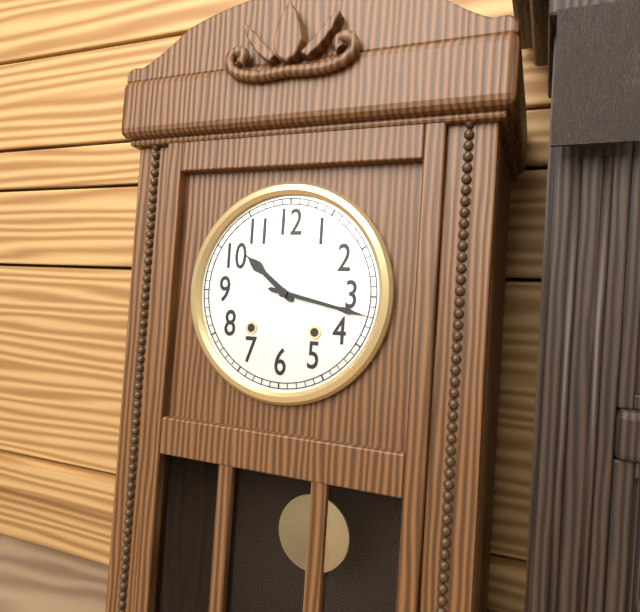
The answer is 10:17
